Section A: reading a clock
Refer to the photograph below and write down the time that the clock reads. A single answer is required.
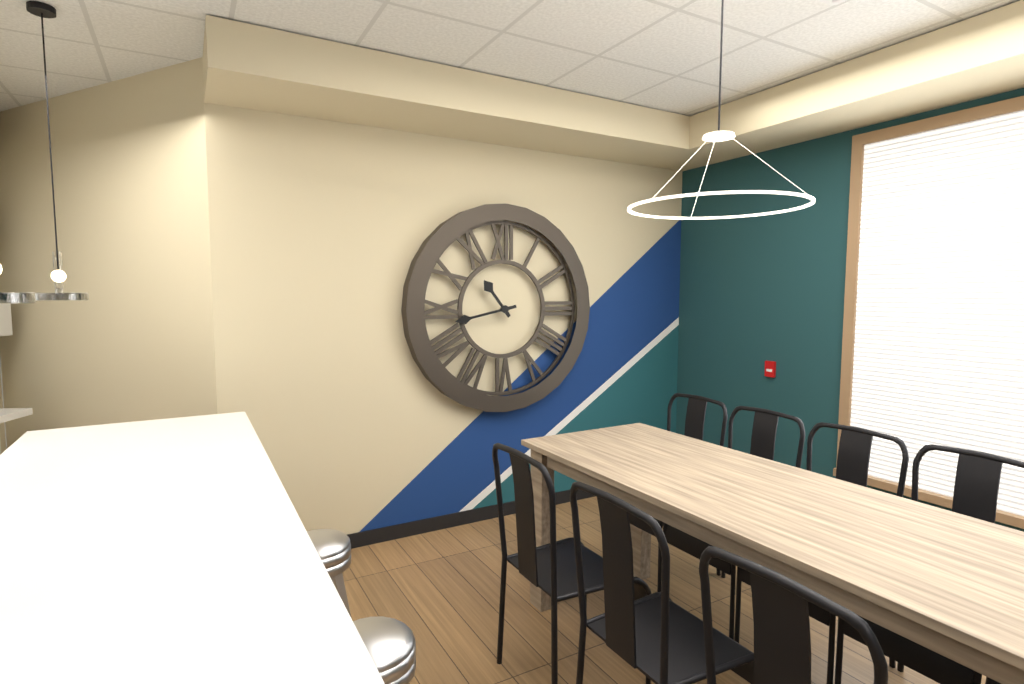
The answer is 10:43
